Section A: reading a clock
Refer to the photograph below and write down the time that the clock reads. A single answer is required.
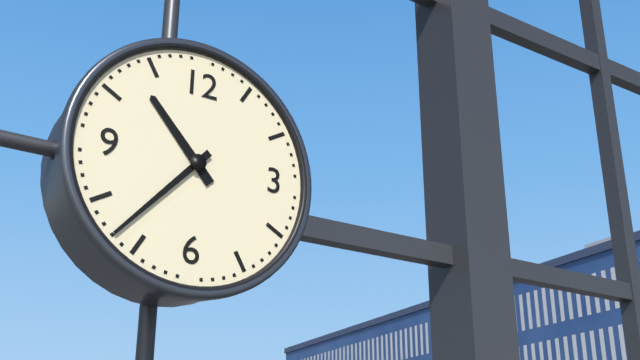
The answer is 10:37
